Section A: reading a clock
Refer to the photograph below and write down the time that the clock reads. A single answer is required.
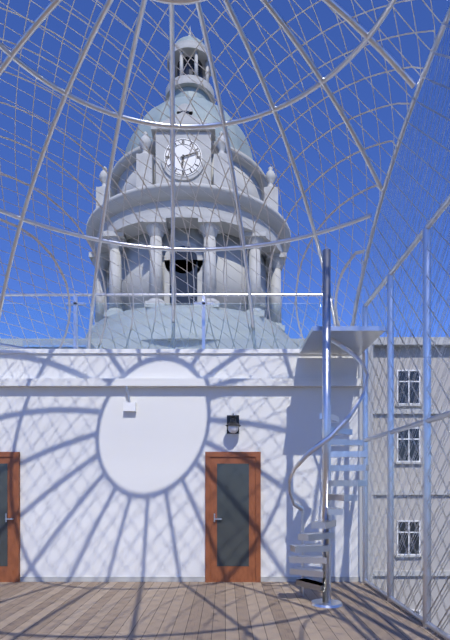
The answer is 6:12
